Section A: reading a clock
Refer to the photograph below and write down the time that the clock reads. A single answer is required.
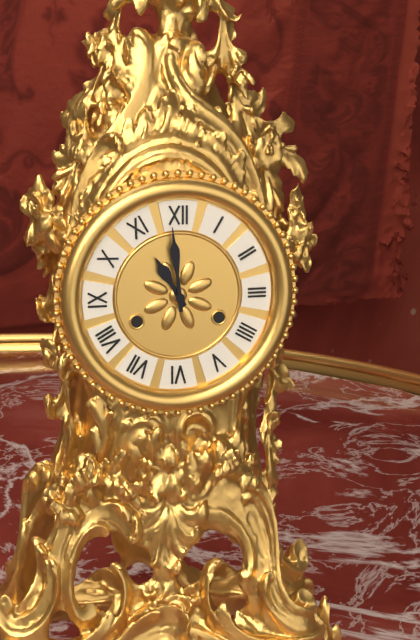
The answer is 10:59
